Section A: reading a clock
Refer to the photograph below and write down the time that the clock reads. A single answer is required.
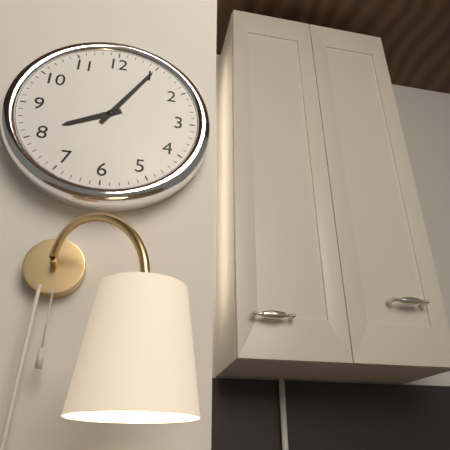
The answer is 8:05
